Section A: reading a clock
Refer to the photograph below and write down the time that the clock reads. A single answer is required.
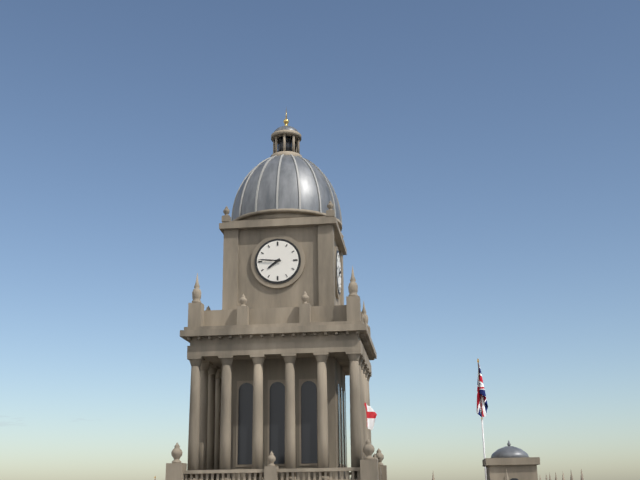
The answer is 7:46
